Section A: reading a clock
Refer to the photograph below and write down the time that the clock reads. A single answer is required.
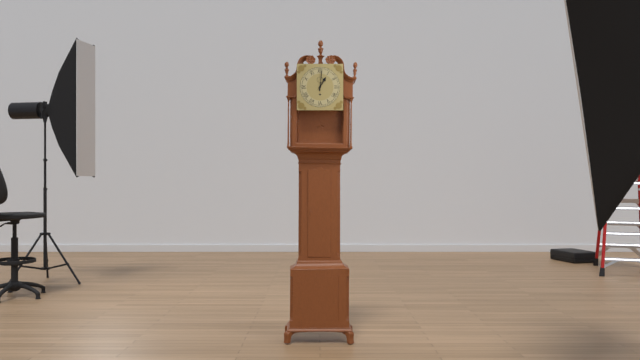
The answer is 1:01
